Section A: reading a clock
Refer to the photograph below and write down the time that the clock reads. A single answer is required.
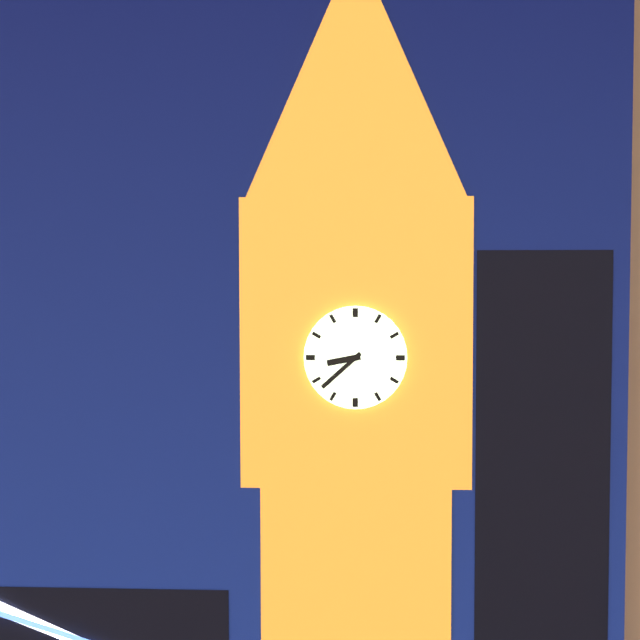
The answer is 8:38
